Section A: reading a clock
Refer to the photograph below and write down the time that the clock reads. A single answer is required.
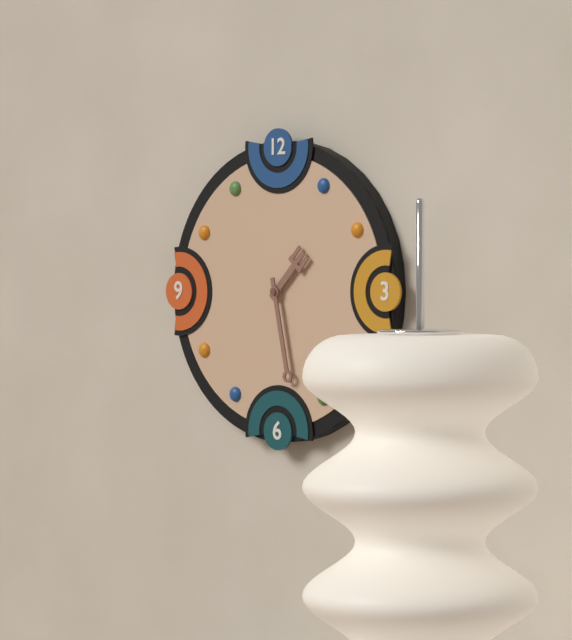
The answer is 1:28
